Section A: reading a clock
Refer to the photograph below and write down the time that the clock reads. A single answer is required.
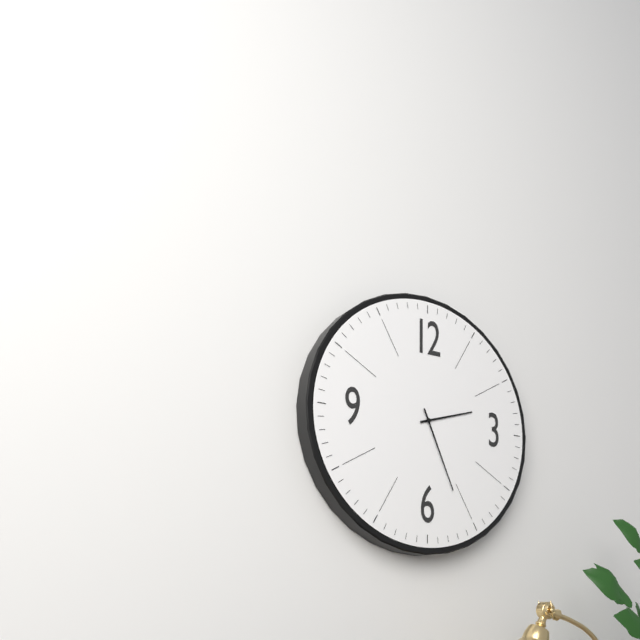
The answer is 2:26
